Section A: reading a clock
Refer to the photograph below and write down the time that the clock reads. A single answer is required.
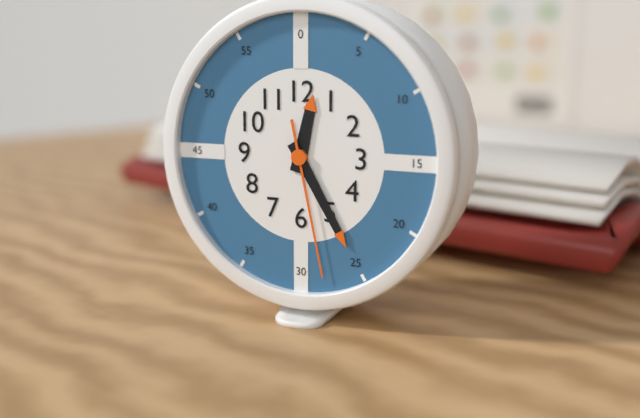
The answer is 12:25:28
